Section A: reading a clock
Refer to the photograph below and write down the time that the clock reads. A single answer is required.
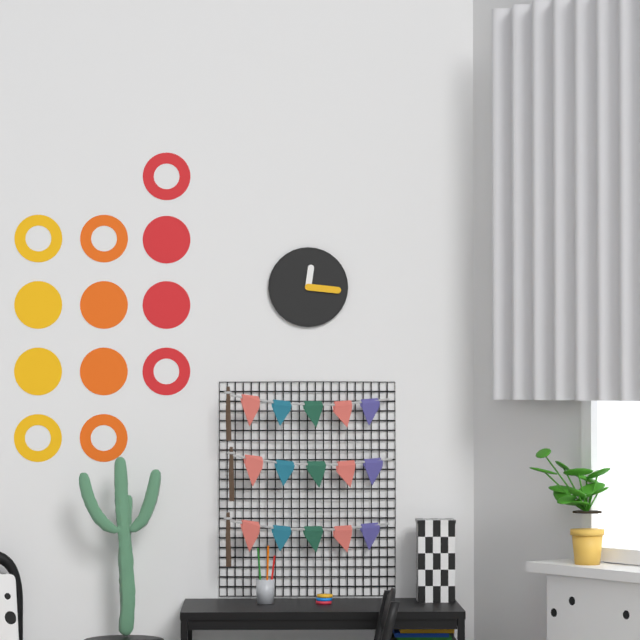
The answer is 12:16
